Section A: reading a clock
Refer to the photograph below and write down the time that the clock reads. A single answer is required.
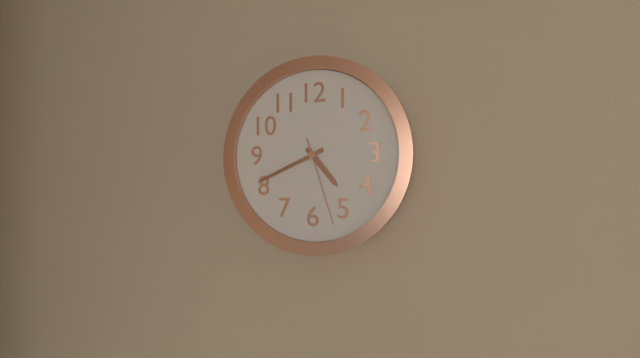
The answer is 4:41:27
